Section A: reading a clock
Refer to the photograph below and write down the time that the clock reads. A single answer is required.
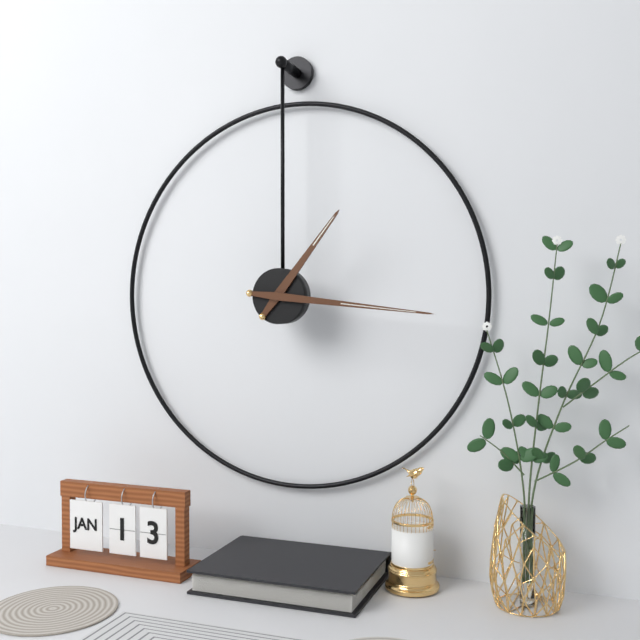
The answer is 1:16
